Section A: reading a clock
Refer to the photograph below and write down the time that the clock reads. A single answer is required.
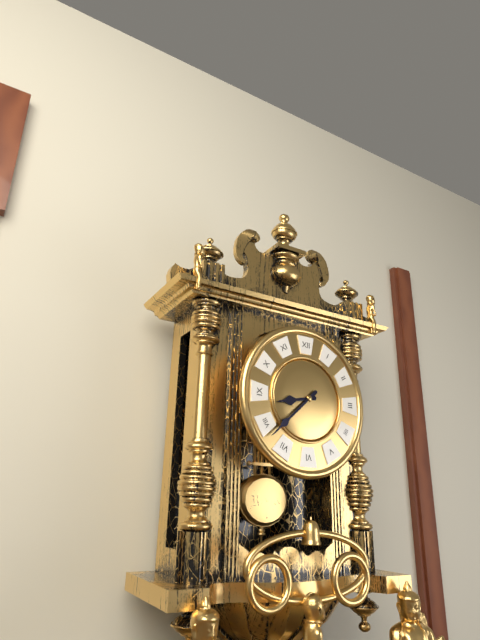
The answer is 8:38
